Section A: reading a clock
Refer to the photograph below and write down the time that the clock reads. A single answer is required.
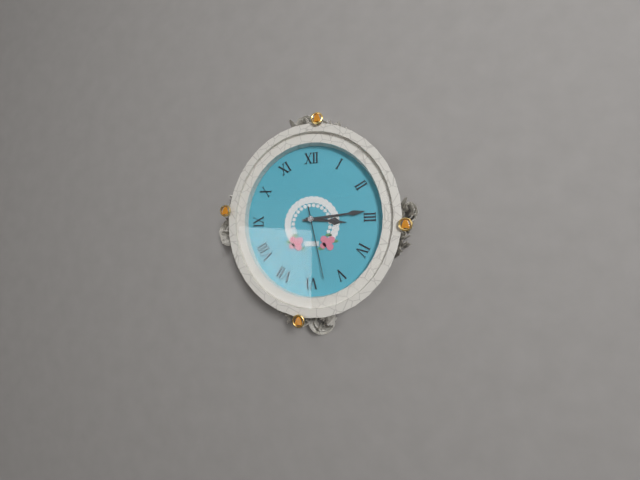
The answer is 3:14:28
